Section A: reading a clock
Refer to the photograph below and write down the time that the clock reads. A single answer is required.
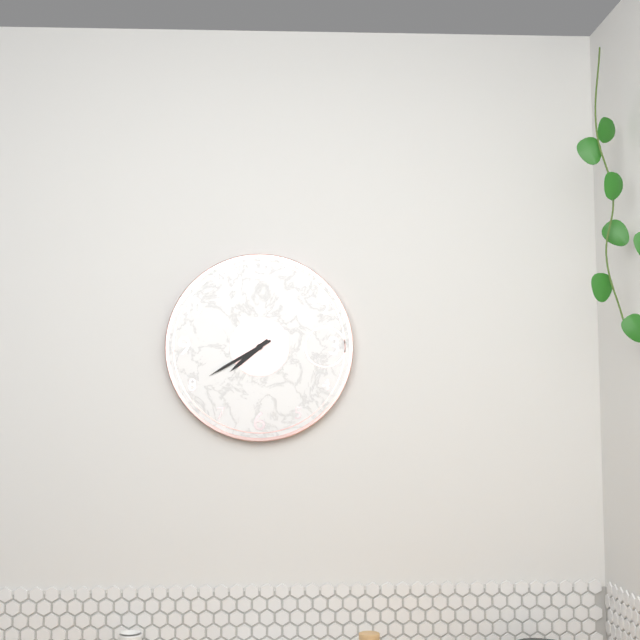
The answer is 7:40
